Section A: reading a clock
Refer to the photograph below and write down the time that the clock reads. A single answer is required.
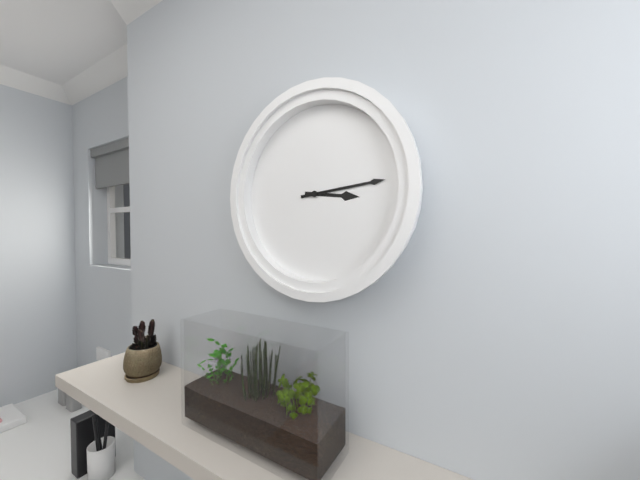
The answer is 3:14
